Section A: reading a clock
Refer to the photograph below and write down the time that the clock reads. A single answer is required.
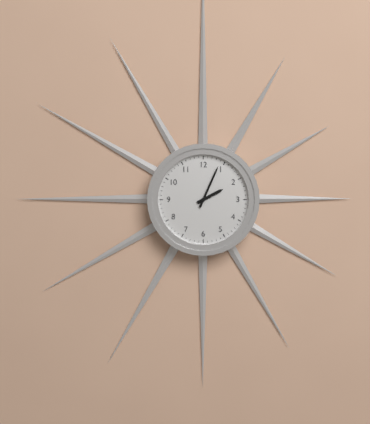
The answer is 2:04
